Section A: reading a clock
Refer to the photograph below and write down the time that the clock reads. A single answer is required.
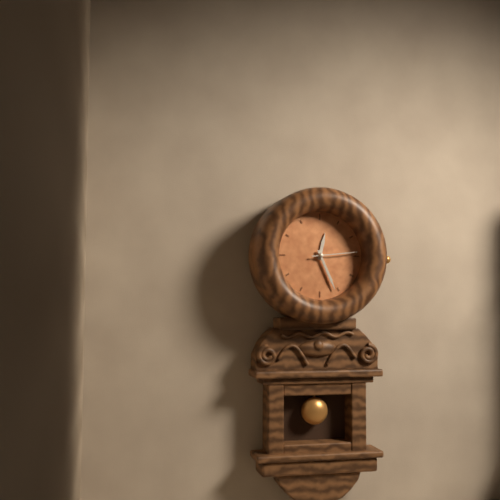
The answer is 12:26:14
